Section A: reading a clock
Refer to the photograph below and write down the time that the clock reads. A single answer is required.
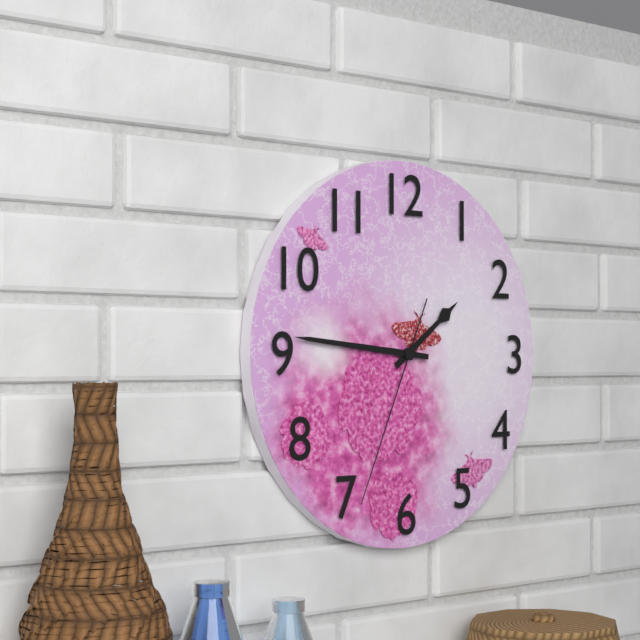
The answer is 1:46:34
